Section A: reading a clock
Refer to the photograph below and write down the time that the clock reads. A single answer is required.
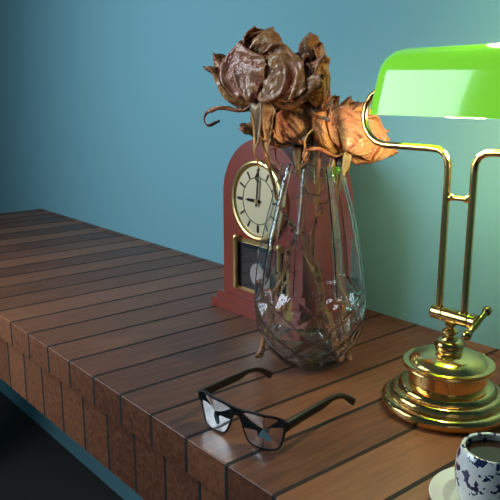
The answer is 9:01
